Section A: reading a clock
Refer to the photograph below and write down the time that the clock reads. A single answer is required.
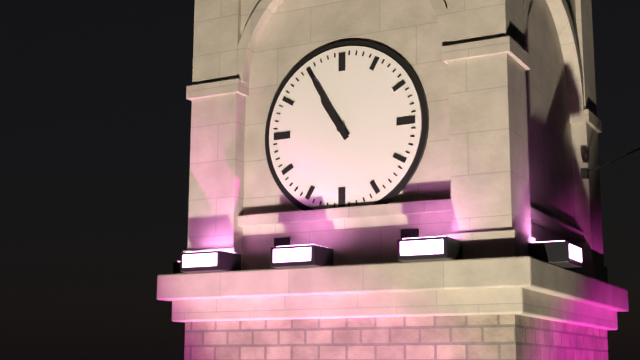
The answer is 10:55
